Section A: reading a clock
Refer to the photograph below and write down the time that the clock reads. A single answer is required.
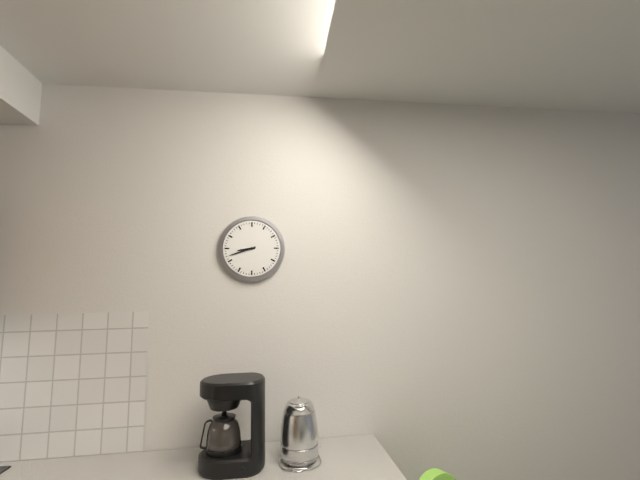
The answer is 8:42
